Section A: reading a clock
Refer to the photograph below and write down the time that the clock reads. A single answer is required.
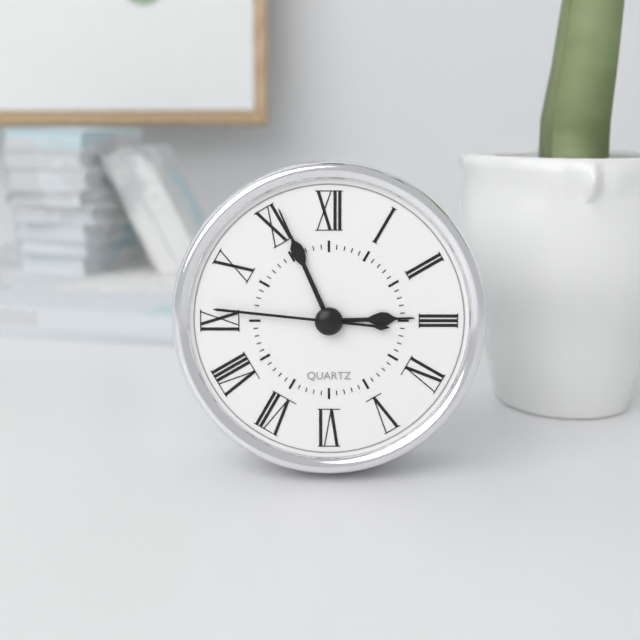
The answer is 2:56:46
